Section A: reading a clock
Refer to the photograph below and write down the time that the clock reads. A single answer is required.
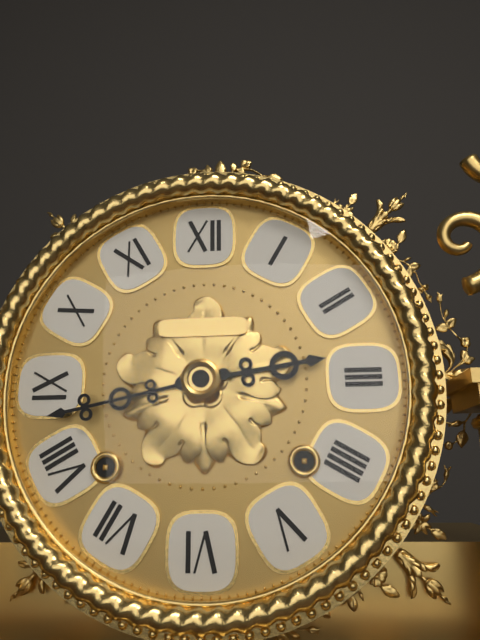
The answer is 2:43
